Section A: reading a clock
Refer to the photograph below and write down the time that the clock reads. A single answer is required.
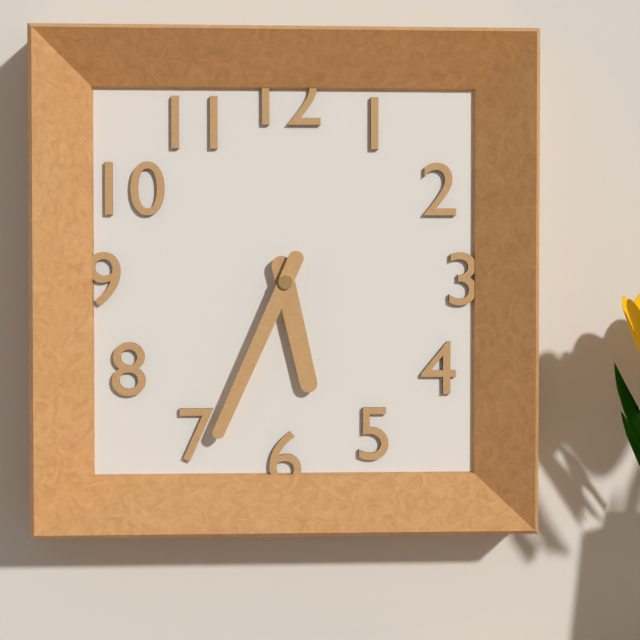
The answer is 5:34
